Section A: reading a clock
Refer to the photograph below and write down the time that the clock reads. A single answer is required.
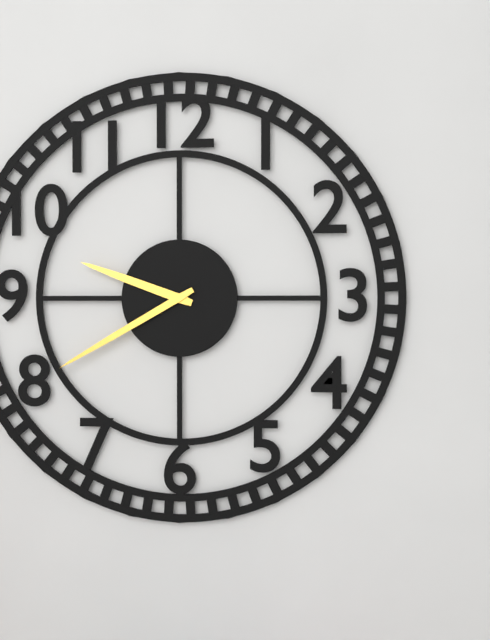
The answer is 9:40
